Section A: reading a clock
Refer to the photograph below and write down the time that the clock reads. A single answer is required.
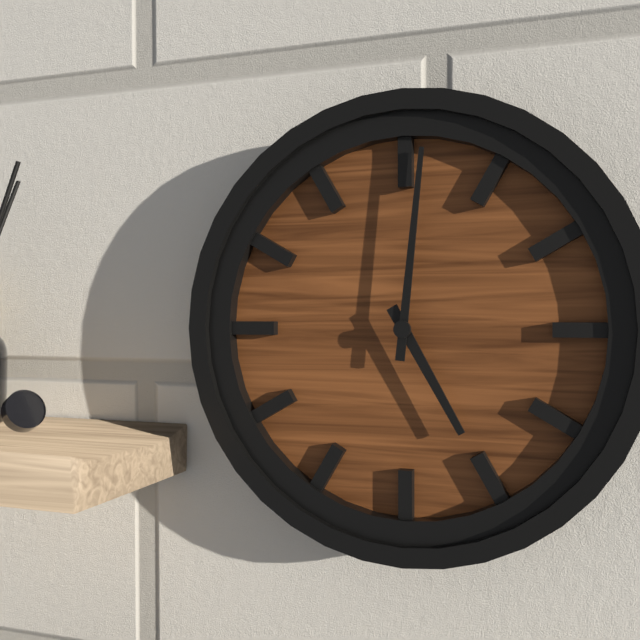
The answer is 5:01
